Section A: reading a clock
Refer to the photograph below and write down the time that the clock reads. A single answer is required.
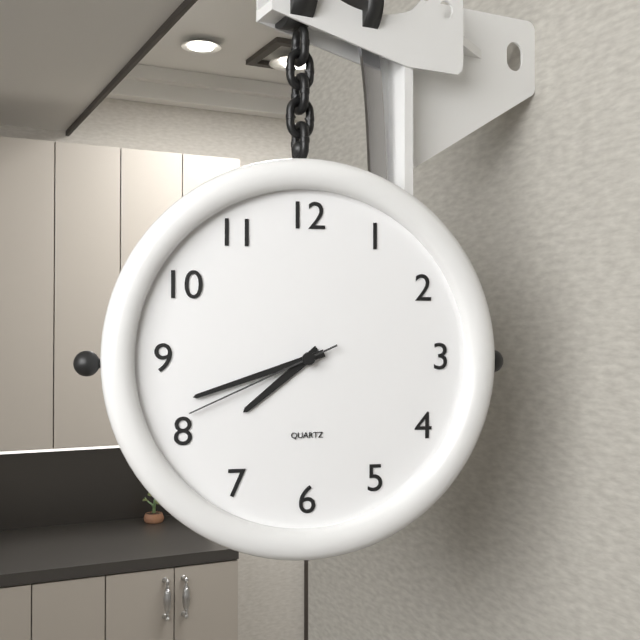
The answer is 7:42:41
